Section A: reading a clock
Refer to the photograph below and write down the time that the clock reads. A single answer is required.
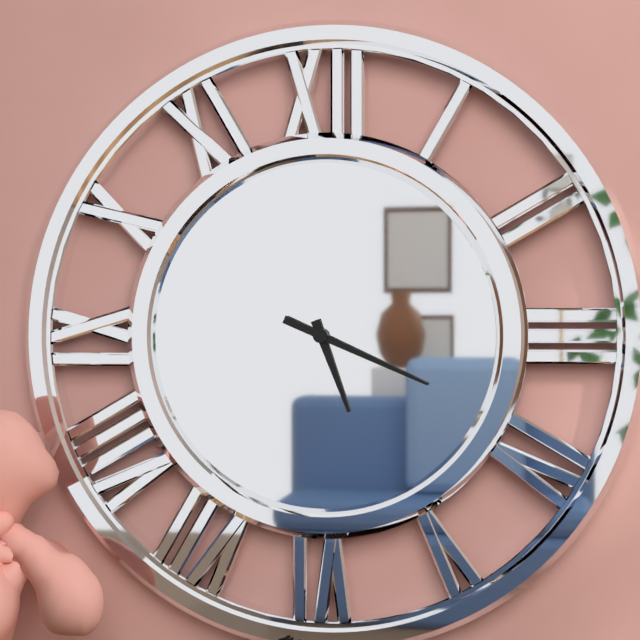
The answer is 5:19
